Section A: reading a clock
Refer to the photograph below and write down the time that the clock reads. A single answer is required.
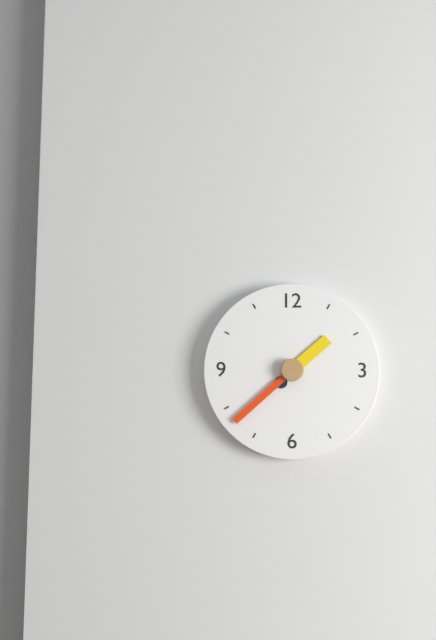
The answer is 1:38
